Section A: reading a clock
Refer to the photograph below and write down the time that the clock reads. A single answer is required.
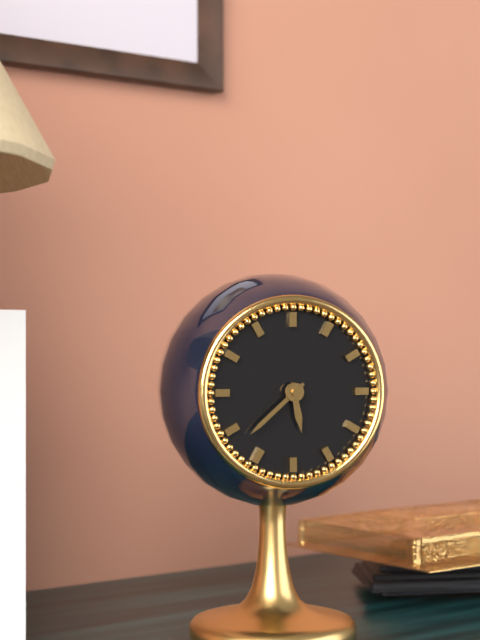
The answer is 5:38
